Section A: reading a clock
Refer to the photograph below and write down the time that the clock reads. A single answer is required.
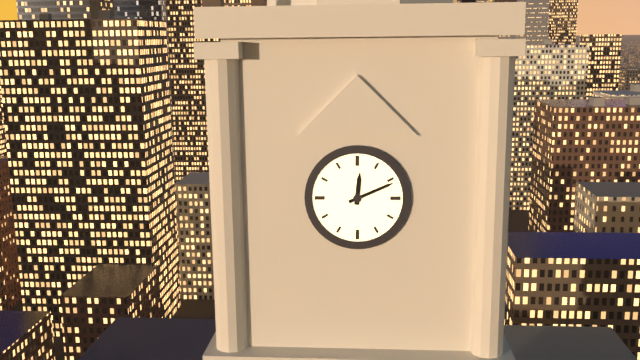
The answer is 12:11
